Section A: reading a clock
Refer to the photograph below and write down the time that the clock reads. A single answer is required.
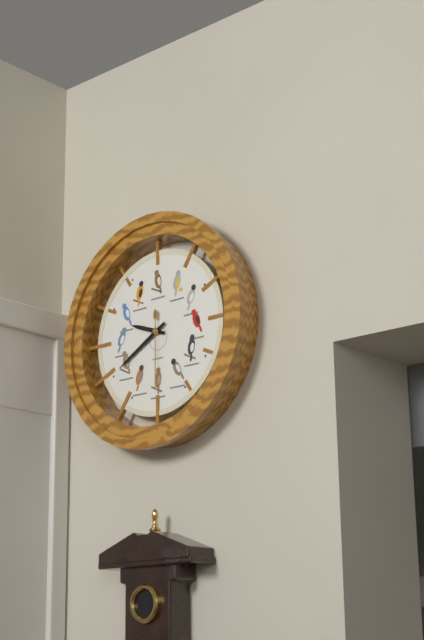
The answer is 9:40:30
